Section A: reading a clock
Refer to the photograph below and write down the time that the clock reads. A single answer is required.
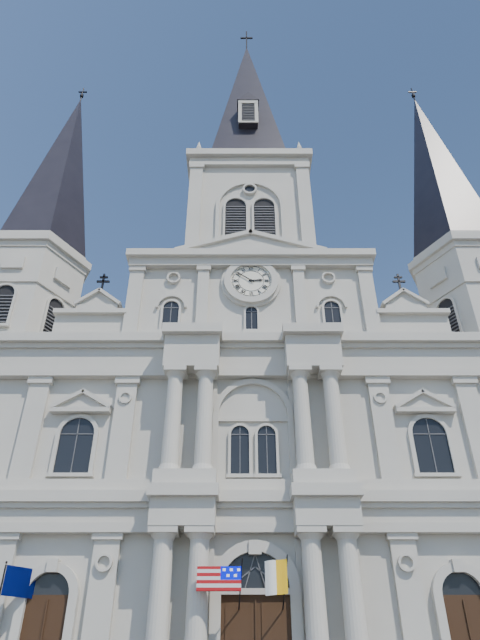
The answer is 2:51
